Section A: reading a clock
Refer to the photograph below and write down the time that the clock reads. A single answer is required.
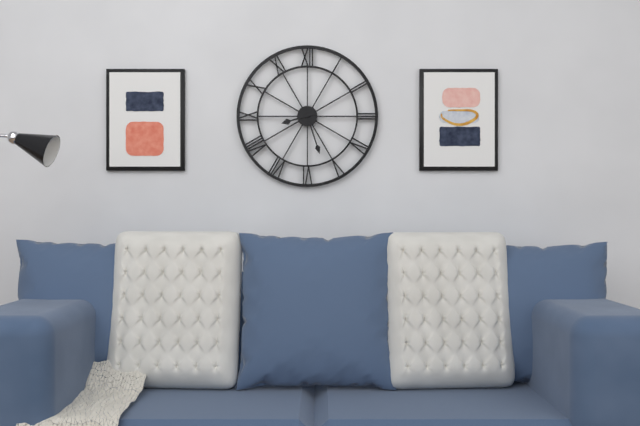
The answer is 8:27
